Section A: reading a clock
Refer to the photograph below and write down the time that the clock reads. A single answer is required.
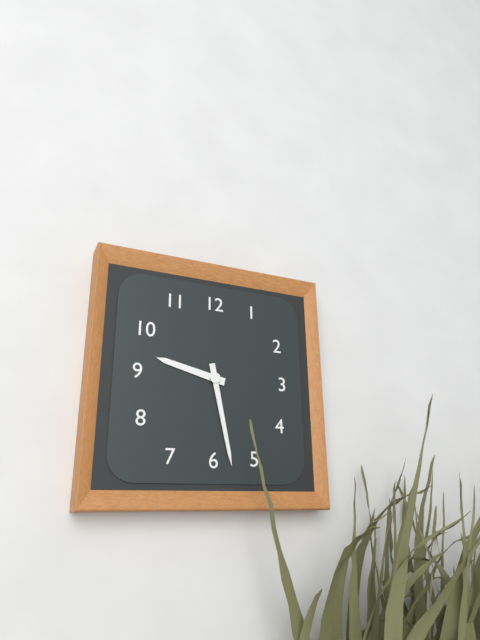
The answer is 9:28
